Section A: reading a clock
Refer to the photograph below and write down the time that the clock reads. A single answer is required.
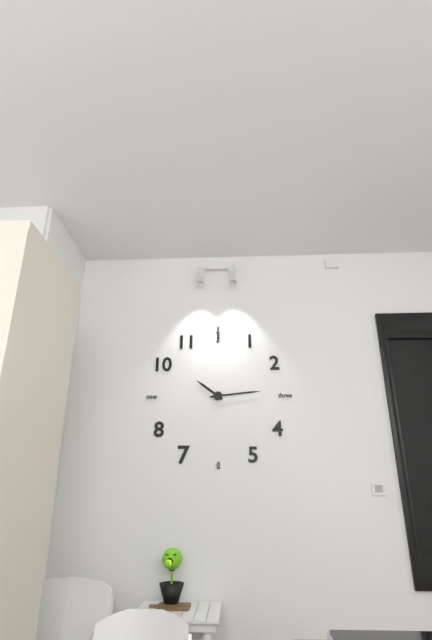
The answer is 10:14
